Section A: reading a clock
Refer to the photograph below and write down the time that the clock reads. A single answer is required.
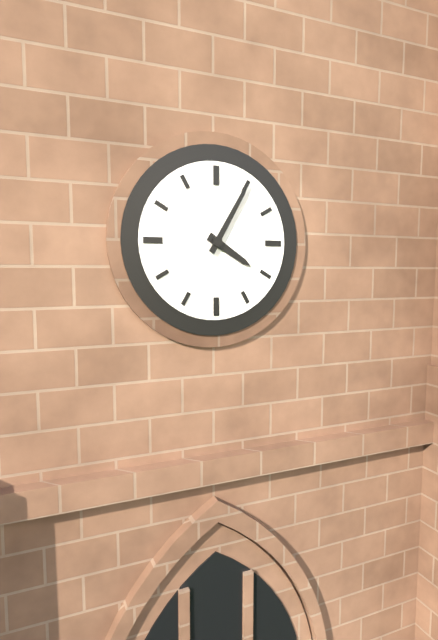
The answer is 4:05
